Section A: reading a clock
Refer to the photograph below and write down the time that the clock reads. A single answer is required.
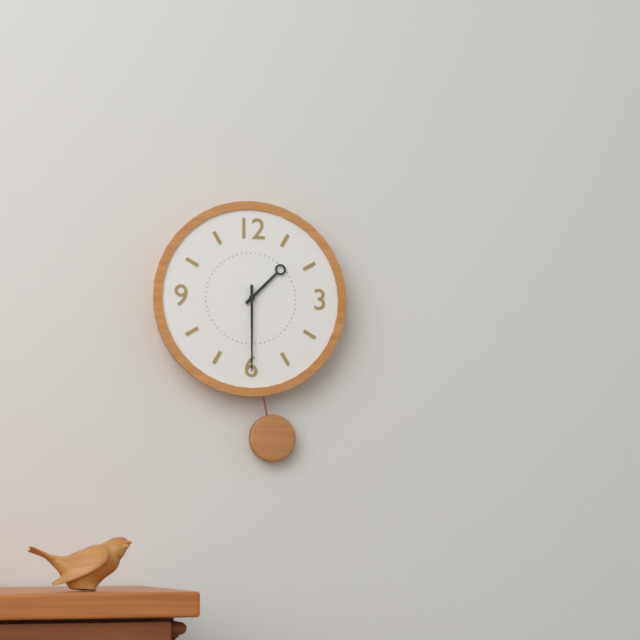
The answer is 1:30
